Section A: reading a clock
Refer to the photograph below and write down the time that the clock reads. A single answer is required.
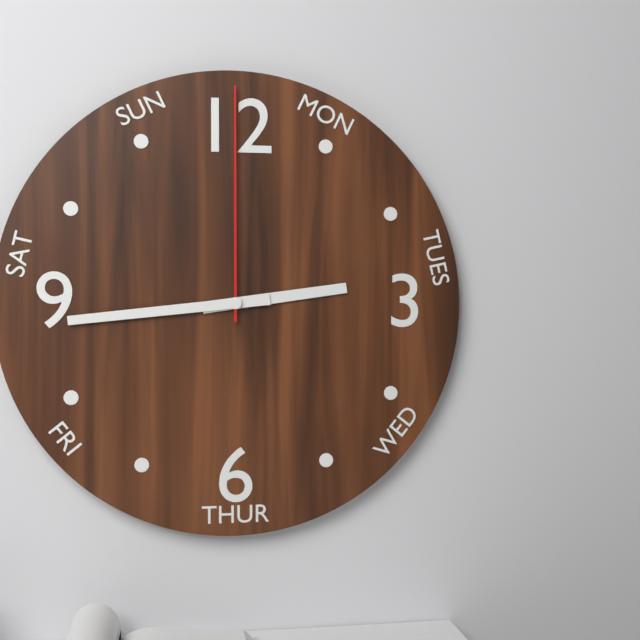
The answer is 2:44:00
